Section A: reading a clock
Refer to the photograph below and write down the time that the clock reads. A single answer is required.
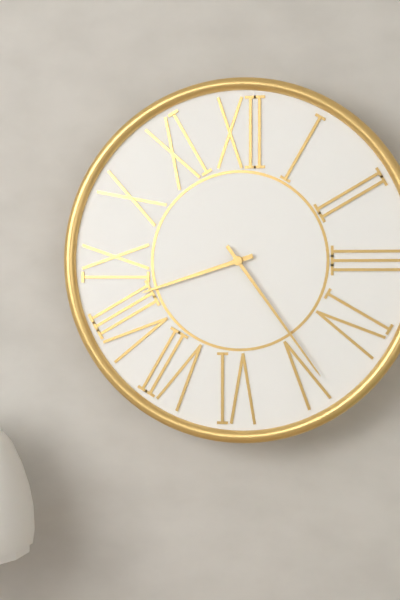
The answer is 8:24
